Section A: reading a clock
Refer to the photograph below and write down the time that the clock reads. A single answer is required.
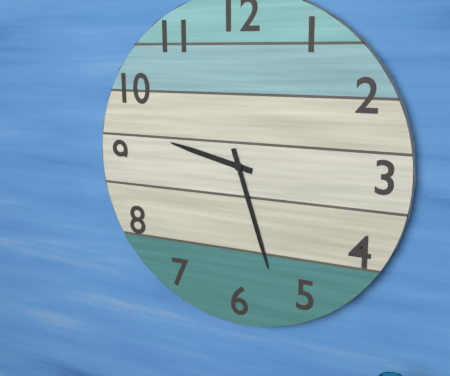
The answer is 9:27
